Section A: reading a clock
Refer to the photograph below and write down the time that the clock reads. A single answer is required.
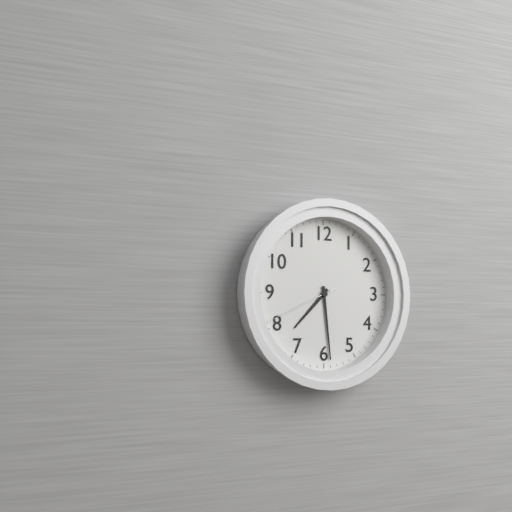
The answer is 7:29:41
